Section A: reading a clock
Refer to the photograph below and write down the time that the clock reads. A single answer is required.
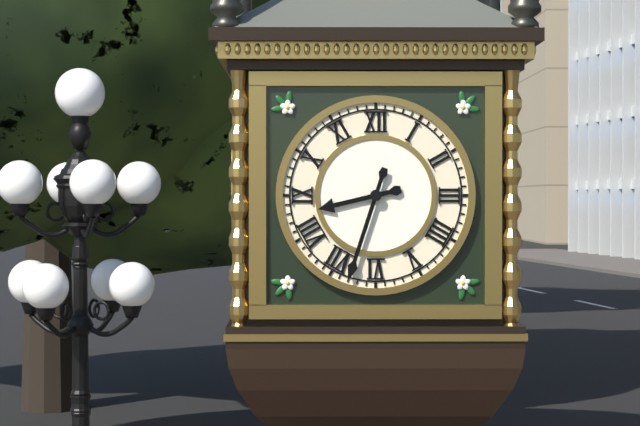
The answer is 8:33
